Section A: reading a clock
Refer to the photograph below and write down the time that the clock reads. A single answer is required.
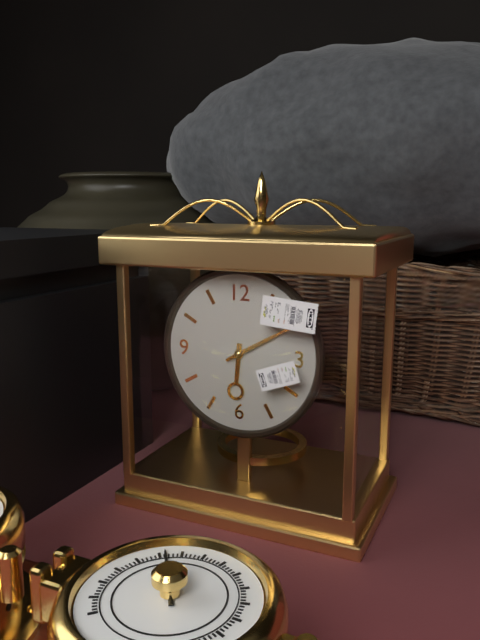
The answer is 6:10
